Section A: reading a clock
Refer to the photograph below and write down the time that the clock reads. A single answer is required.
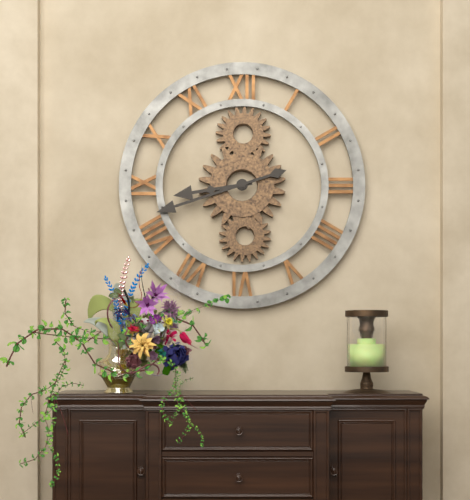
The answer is 8:42
